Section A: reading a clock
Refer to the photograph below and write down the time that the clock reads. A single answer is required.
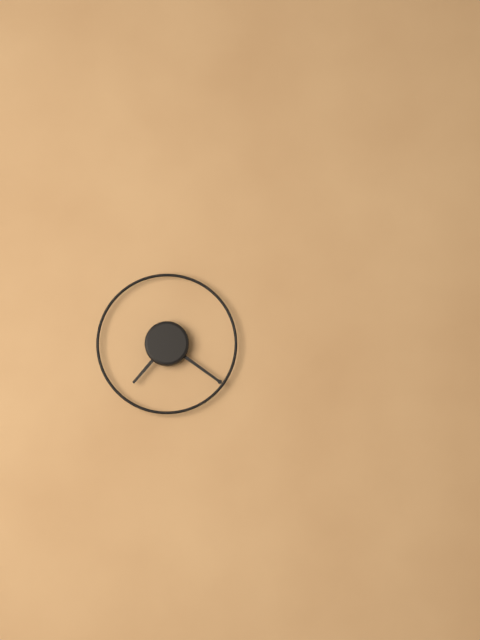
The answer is 7:21
